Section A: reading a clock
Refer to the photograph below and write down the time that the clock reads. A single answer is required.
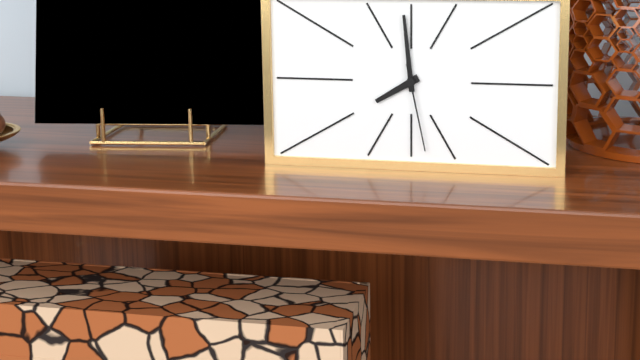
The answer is 7:59:28
